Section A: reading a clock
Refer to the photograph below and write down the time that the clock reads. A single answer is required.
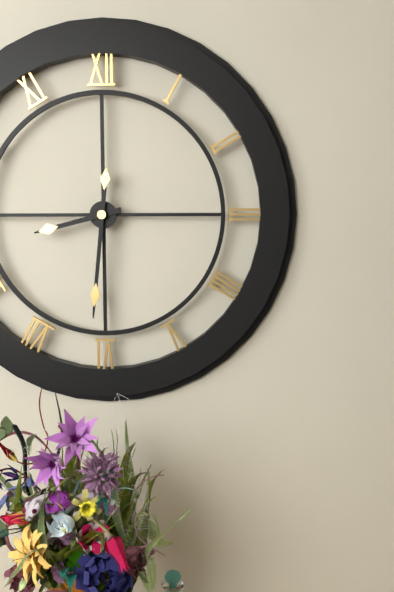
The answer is 8:31
